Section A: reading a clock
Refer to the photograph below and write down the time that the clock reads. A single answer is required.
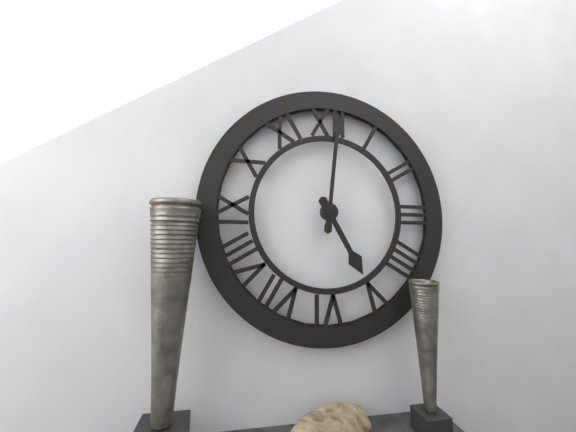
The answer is 5:01
